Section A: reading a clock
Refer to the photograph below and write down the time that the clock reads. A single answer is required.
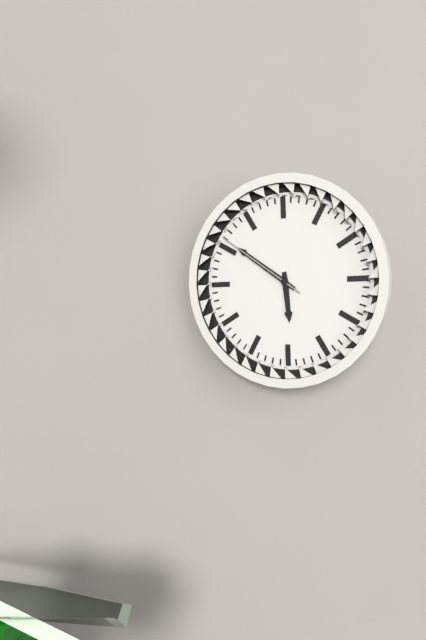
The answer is 5:51:51
